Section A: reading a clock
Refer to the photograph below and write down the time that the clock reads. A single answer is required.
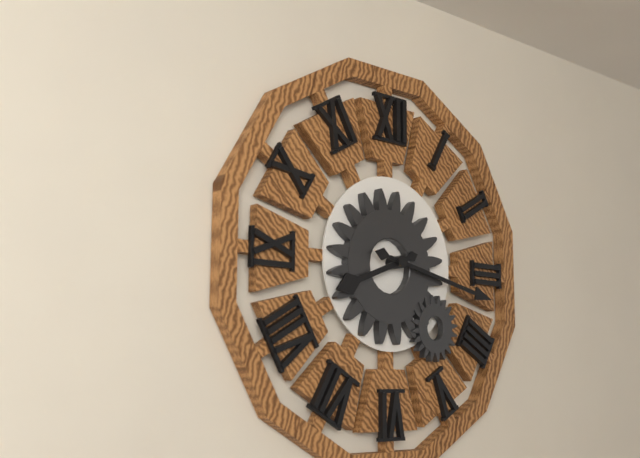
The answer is 8:17
